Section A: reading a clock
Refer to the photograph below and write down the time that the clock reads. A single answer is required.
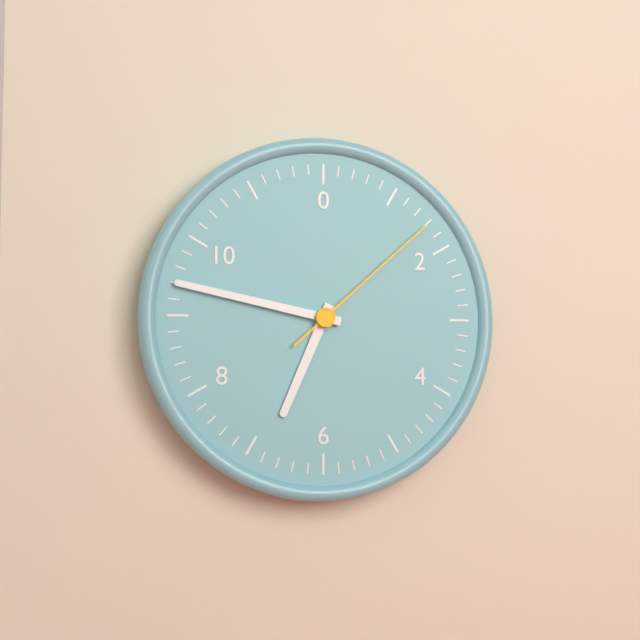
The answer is 6:47:08
